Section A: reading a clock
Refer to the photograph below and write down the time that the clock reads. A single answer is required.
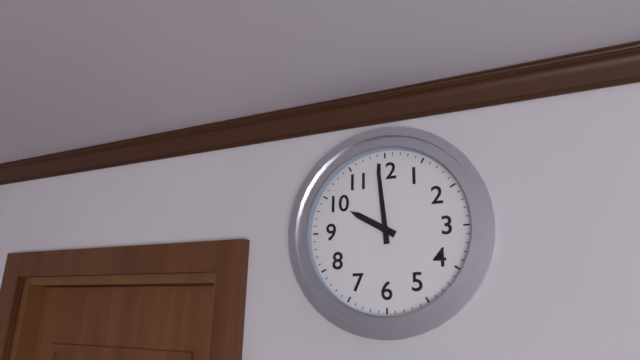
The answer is 9:59
